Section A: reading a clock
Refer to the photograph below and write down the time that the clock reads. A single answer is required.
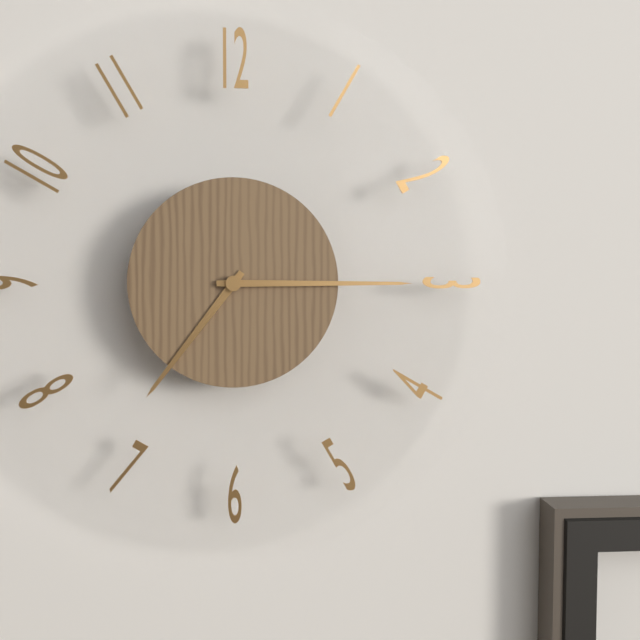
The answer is 7:15
